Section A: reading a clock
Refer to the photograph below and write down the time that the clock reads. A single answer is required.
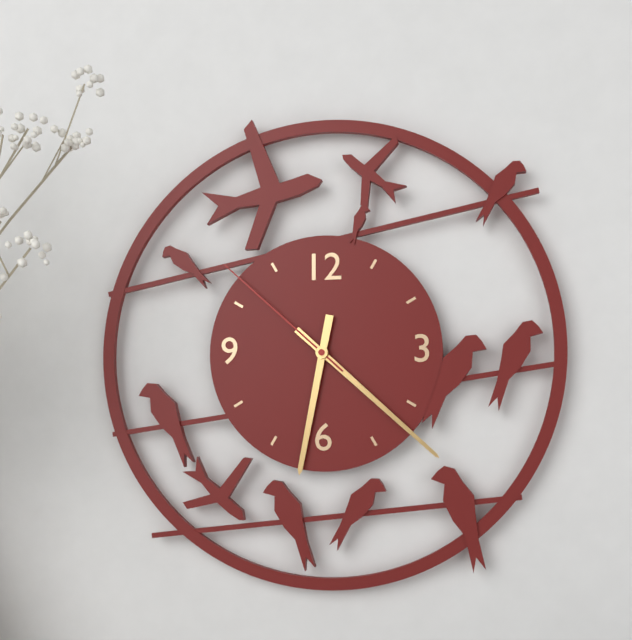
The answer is 6:22:52
